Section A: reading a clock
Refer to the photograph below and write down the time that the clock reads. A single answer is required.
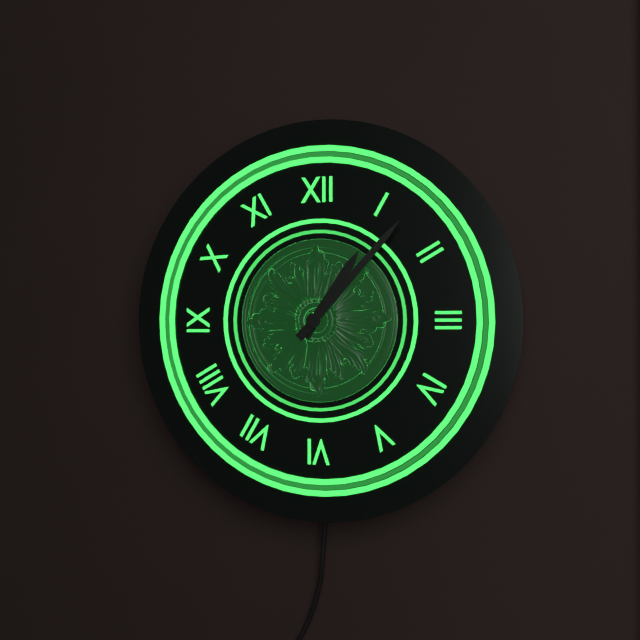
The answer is 1:07
